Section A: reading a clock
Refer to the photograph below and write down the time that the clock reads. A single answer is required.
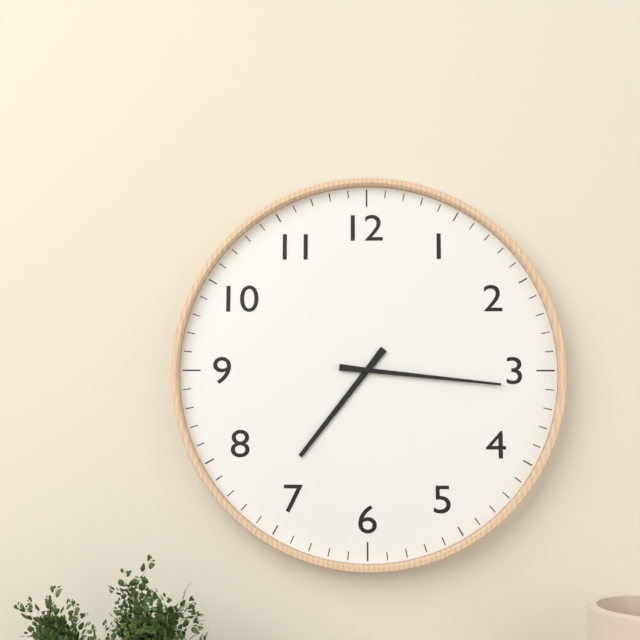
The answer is 7:16
